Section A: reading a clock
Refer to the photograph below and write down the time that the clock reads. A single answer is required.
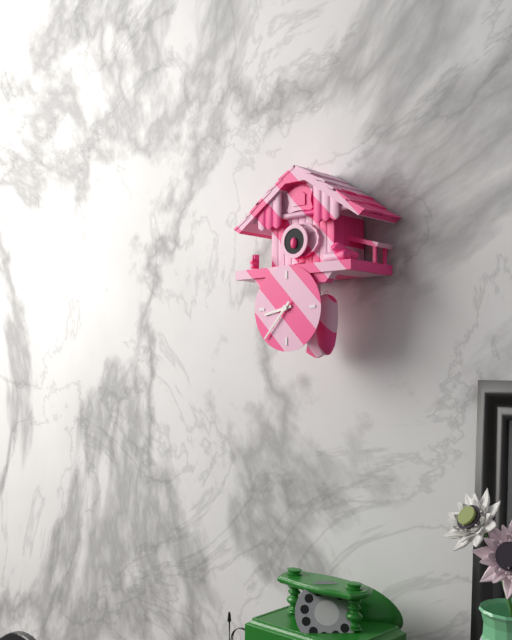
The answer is 8:37
